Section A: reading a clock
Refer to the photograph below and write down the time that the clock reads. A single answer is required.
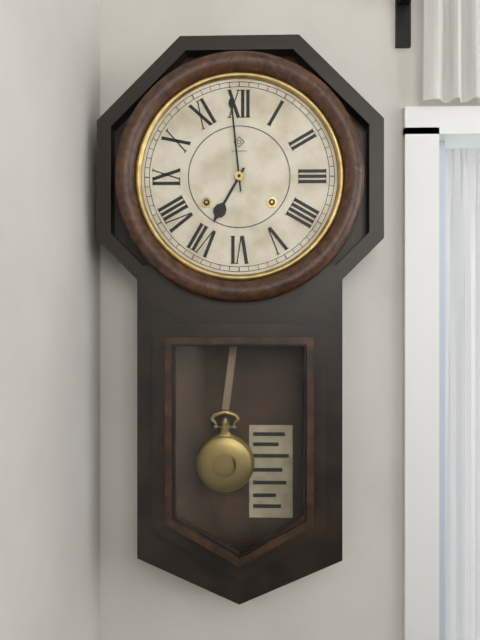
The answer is 6:59
